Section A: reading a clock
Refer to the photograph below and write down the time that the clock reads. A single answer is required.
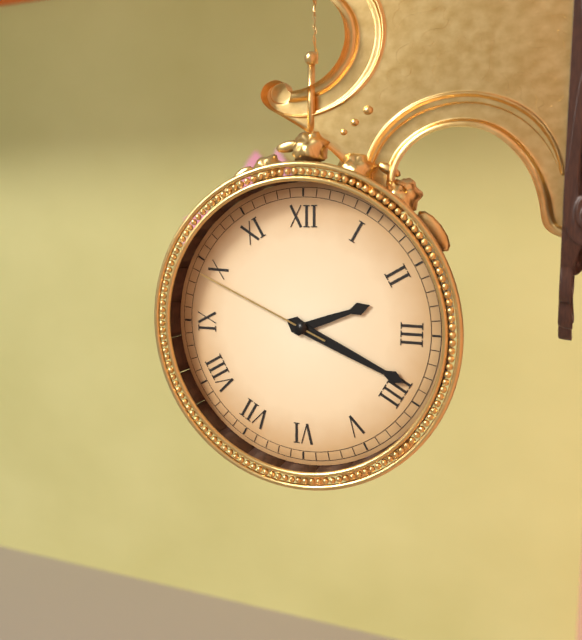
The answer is 2:19:49
